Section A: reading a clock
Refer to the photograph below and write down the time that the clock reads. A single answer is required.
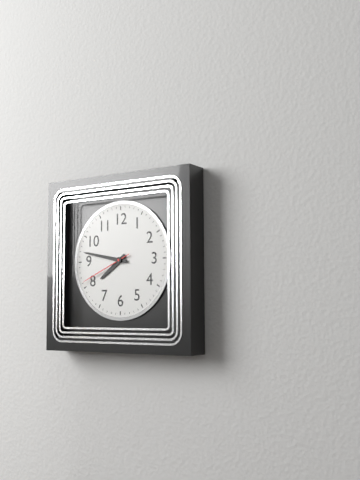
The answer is 7:47:41
